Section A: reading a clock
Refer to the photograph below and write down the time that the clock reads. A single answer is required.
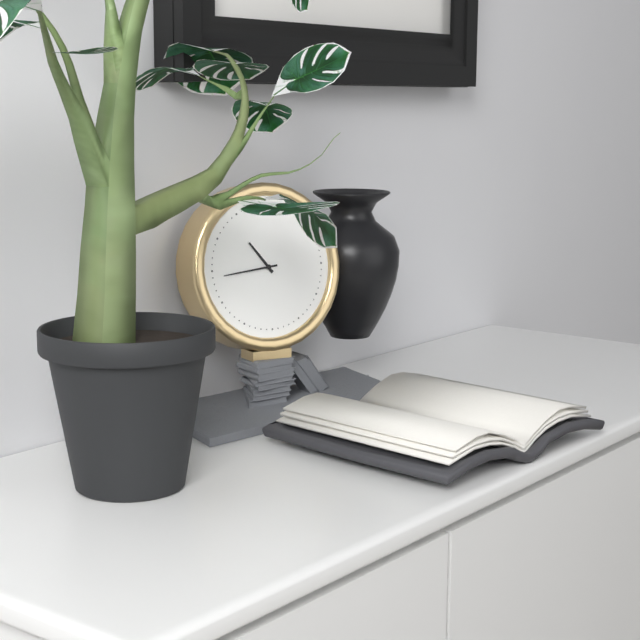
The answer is 10:44
